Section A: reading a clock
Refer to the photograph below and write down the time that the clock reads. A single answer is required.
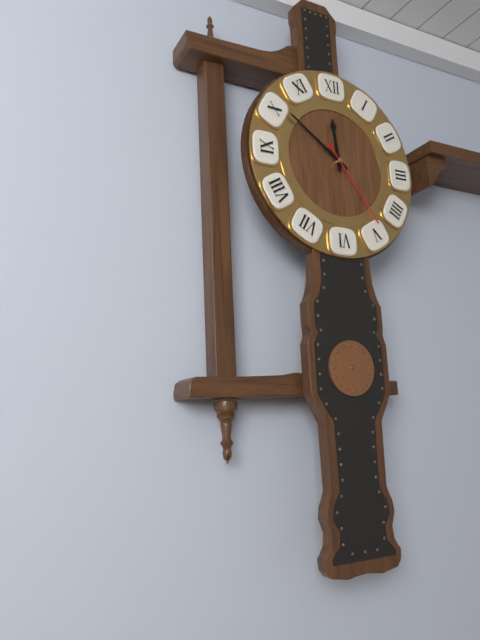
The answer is 11:51:24
